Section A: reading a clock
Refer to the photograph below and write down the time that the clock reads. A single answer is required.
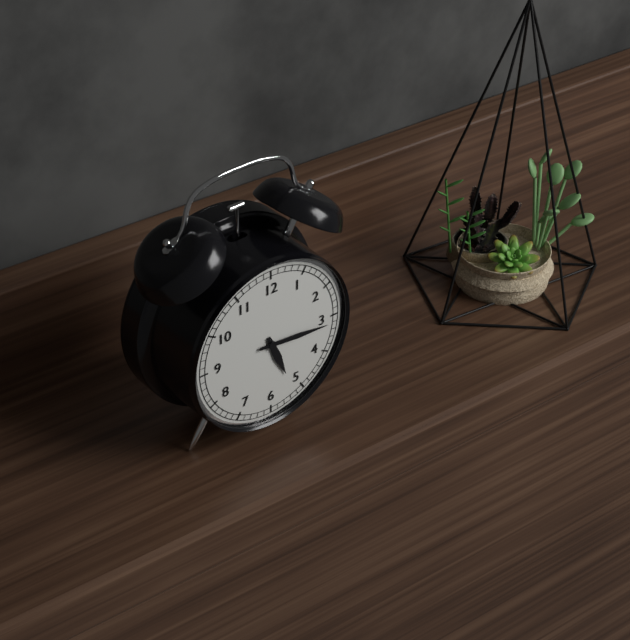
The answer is 5:16
